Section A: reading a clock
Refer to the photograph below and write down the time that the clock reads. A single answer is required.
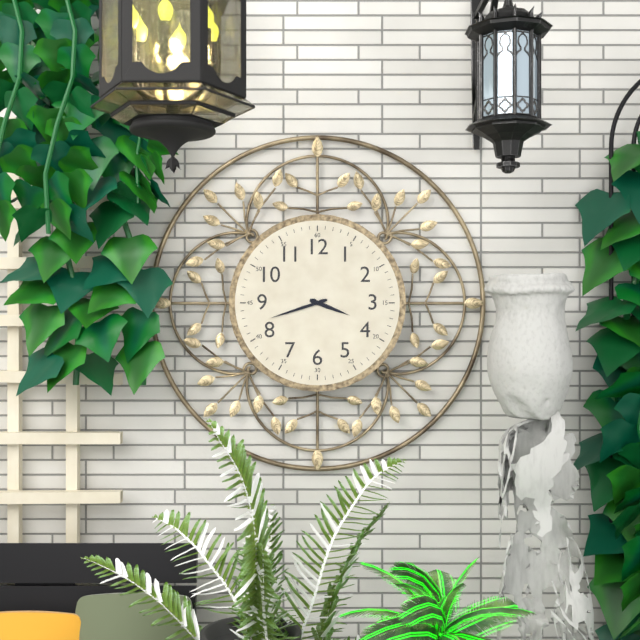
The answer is 3:42
